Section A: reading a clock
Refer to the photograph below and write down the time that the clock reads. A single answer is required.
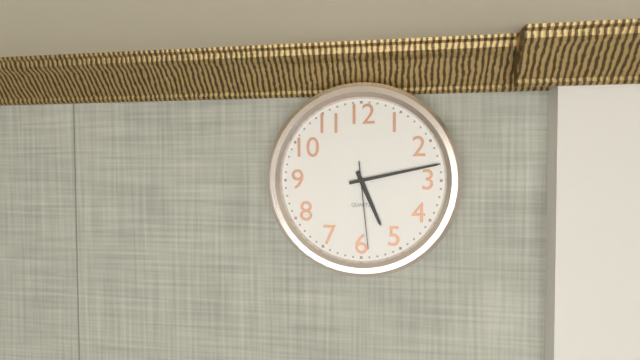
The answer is 5:13:29
